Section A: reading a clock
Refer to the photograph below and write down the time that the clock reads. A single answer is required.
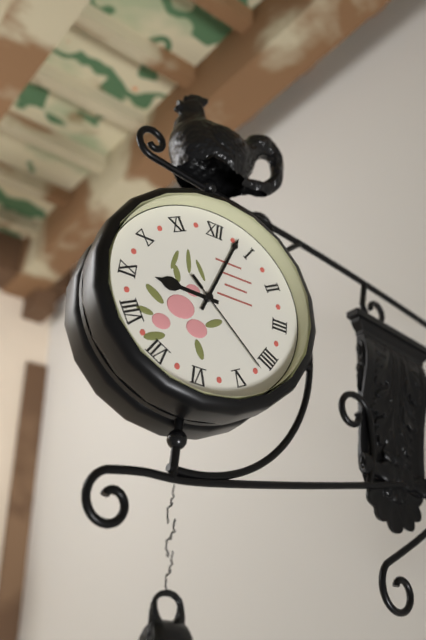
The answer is 9:03:22
